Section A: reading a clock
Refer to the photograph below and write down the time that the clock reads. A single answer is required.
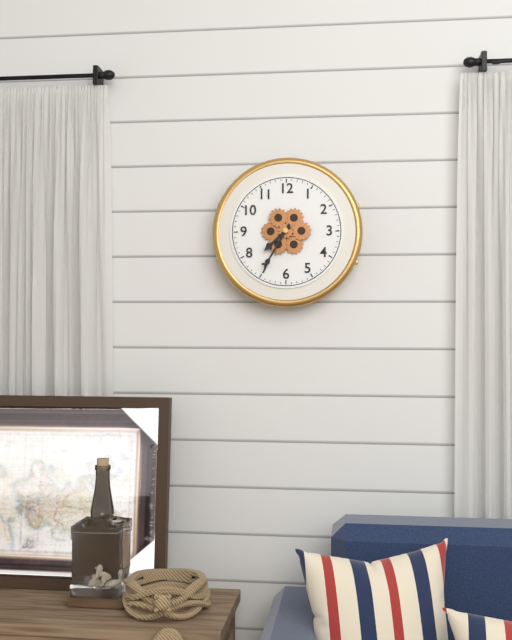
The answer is 7:35
